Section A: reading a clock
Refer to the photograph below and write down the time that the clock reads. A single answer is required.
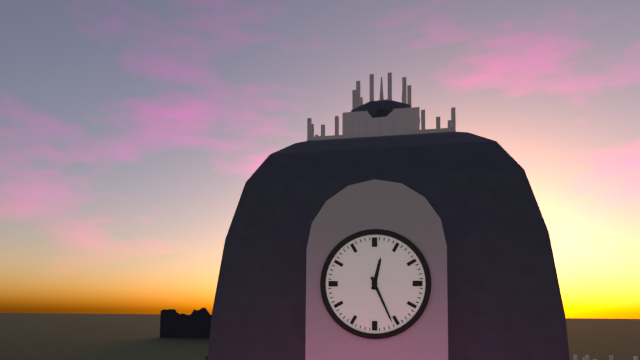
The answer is 12:26
